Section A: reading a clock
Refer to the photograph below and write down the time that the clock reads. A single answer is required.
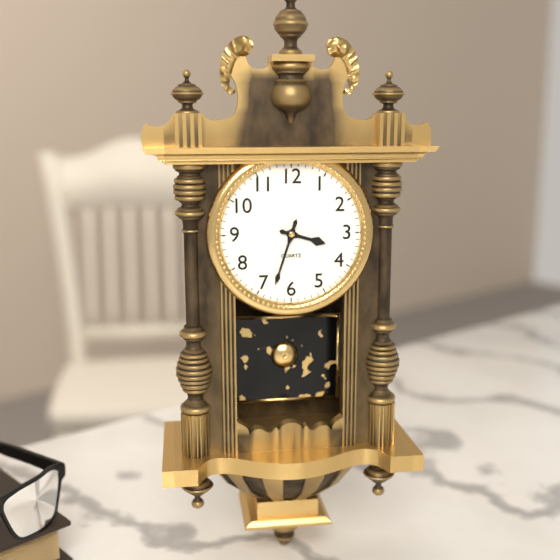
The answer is 3:33
